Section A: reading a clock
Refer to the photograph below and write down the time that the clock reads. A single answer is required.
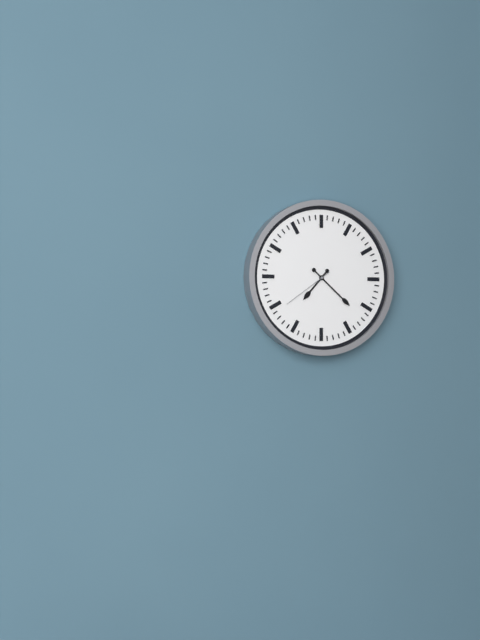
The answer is 7:22:39
